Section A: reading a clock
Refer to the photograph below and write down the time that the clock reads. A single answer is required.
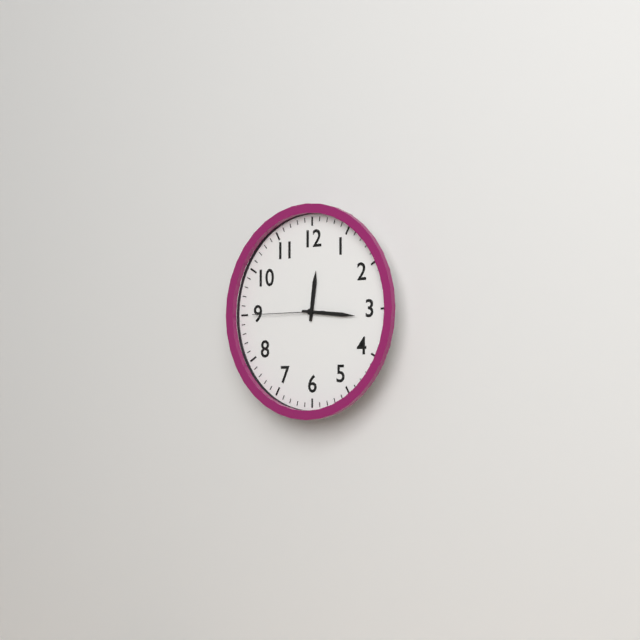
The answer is 12:16:45
